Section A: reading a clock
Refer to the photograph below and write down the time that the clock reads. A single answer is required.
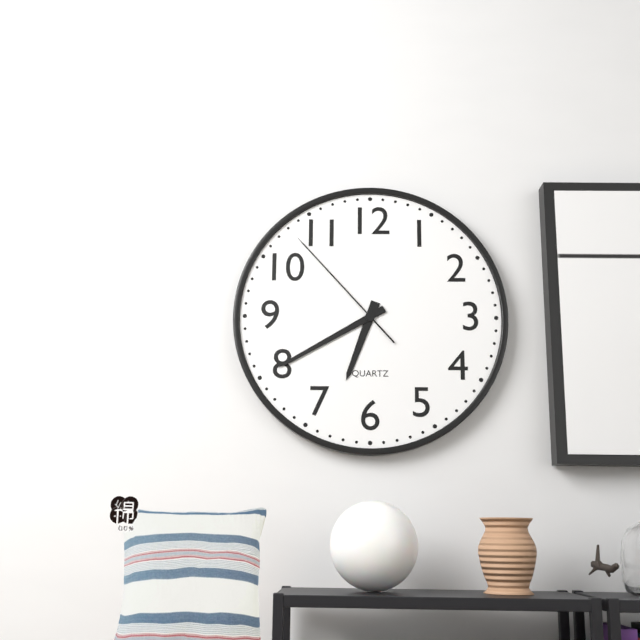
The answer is 6:40:53
